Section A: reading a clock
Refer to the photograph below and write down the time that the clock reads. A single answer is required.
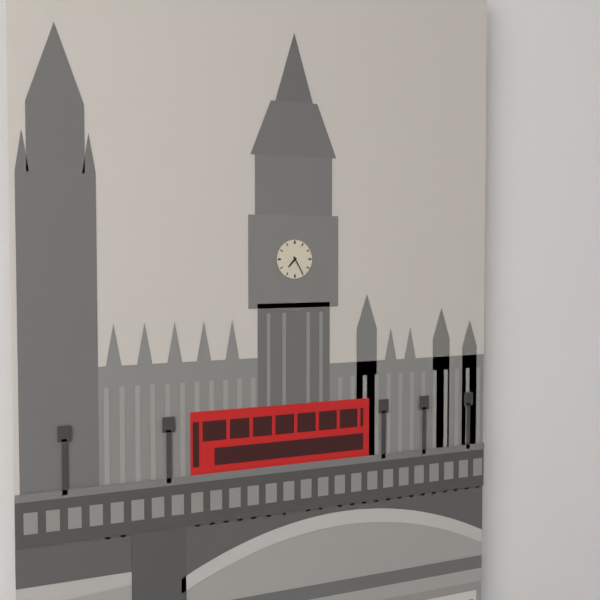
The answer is 7:25
